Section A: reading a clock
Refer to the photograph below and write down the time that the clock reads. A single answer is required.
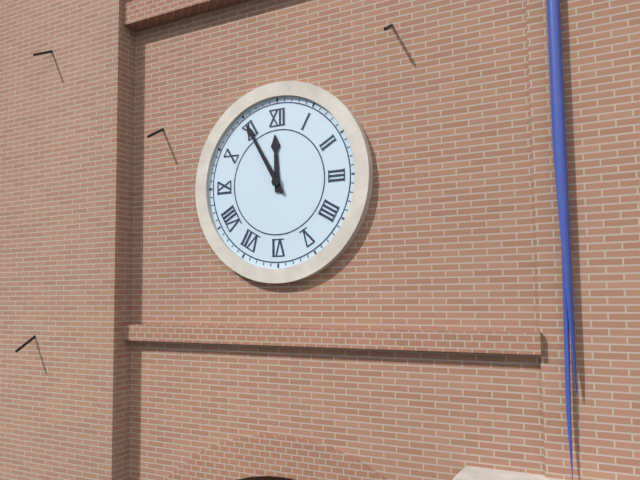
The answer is 11:55
